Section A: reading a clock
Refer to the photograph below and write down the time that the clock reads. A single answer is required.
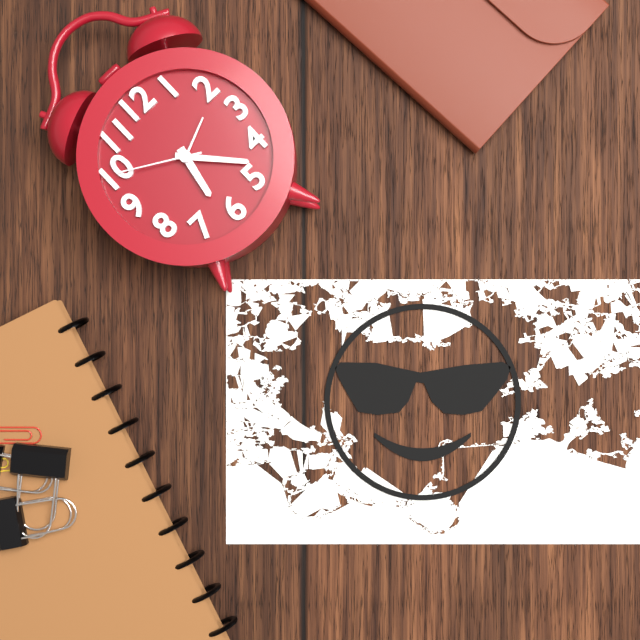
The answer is 6:23:50
